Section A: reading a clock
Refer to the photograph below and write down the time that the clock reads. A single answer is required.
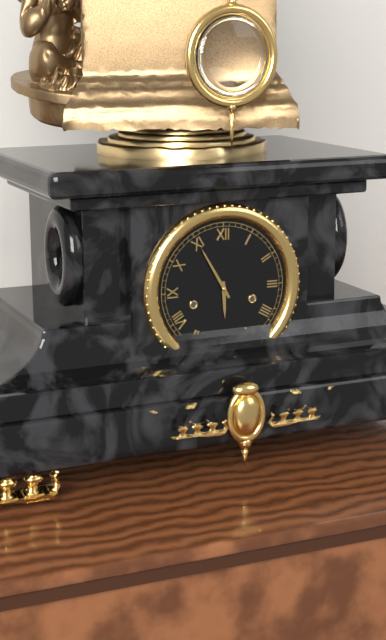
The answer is 5:55
